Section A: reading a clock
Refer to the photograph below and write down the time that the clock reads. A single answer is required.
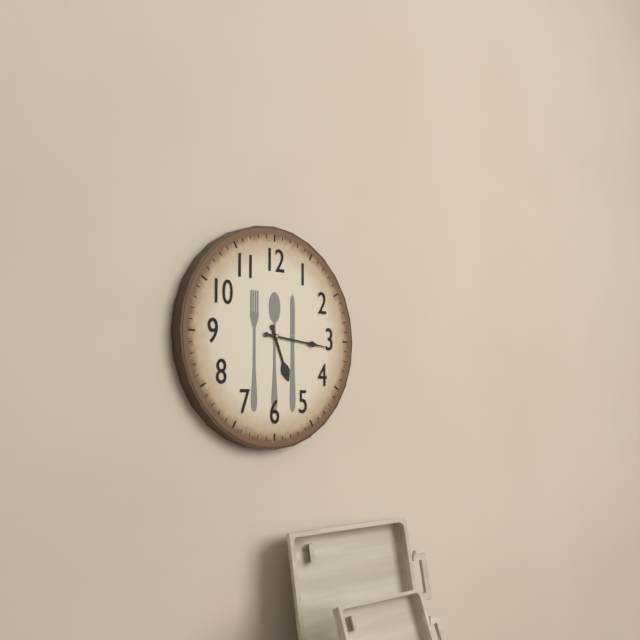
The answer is 5:16
